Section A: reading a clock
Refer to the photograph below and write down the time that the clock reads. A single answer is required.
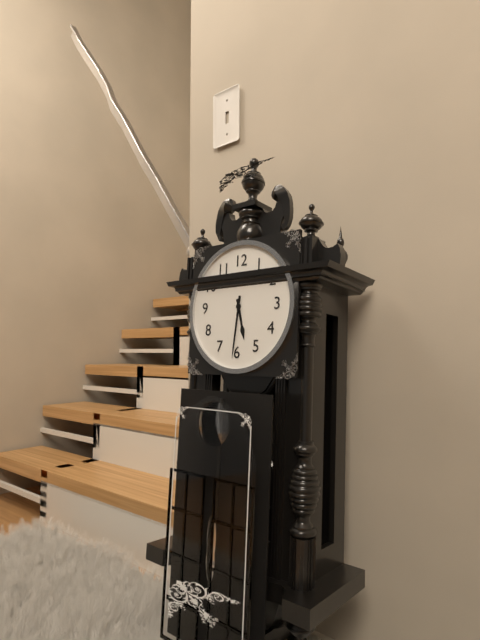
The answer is 5:31
